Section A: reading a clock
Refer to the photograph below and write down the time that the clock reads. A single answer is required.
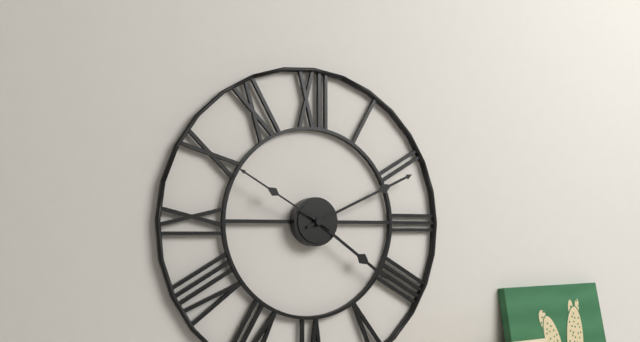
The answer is 4:11:50
